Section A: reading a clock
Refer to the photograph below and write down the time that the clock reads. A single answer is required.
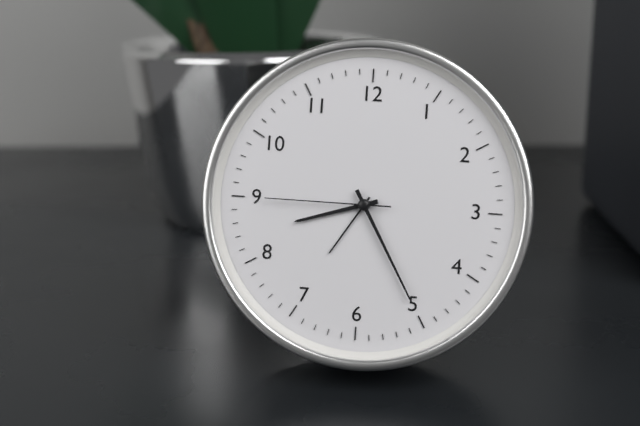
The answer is 8:25:45
